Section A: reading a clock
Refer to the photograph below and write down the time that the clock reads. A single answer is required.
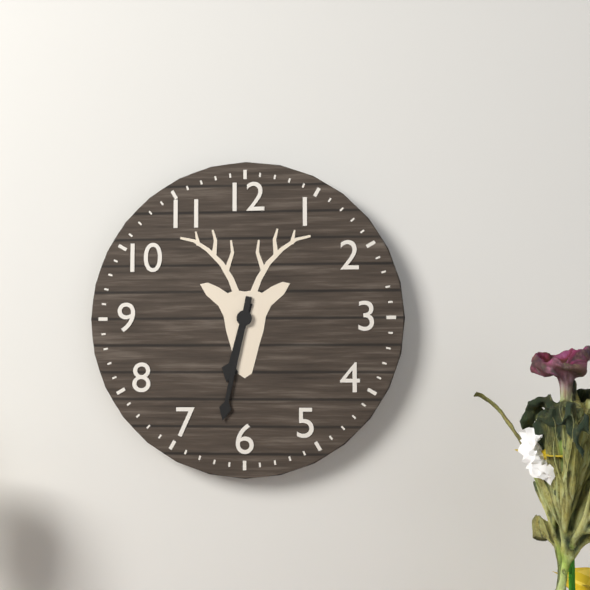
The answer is 6:32
